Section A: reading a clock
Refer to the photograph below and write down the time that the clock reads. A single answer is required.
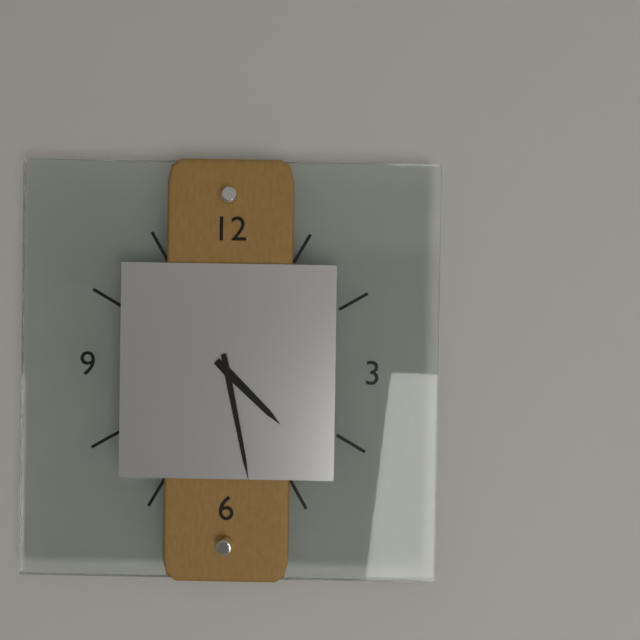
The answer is 4:28
